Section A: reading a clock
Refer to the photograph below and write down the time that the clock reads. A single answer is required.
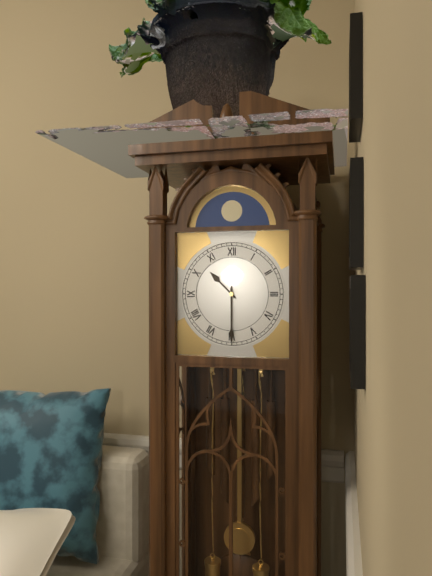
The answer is 10:30
